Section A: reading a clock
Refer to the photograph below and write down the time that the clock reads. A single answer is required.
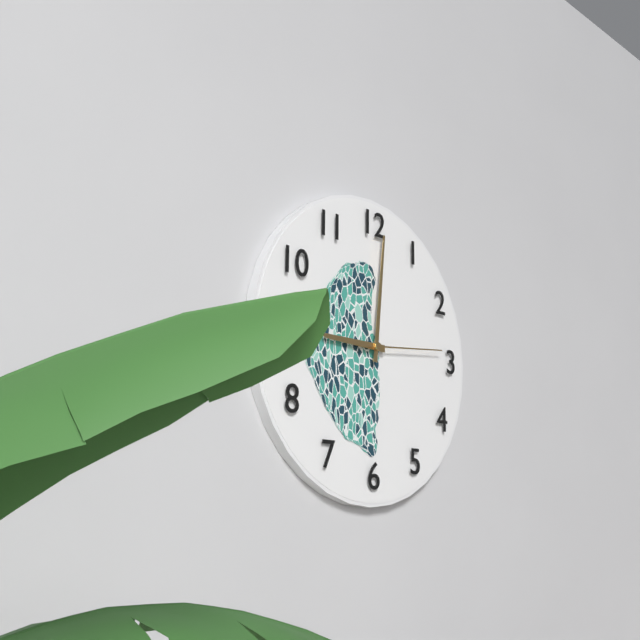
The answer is 9:01:14
